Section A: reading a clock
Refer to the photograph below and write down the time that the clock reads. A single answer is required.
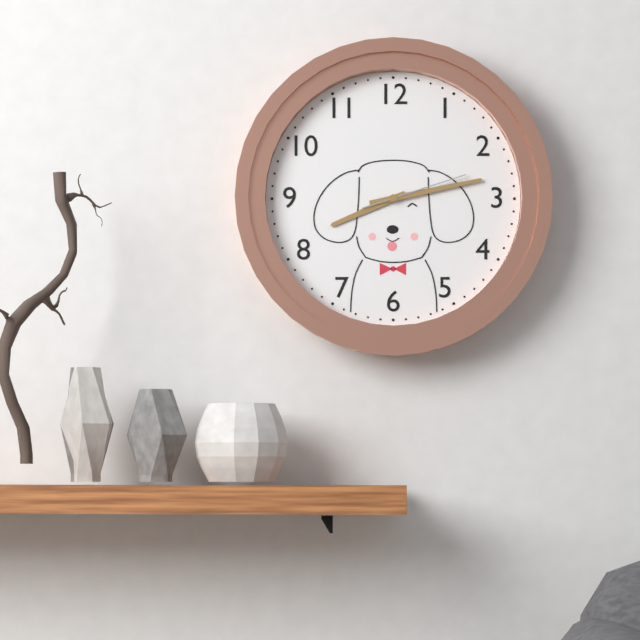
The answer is 8:13:12
